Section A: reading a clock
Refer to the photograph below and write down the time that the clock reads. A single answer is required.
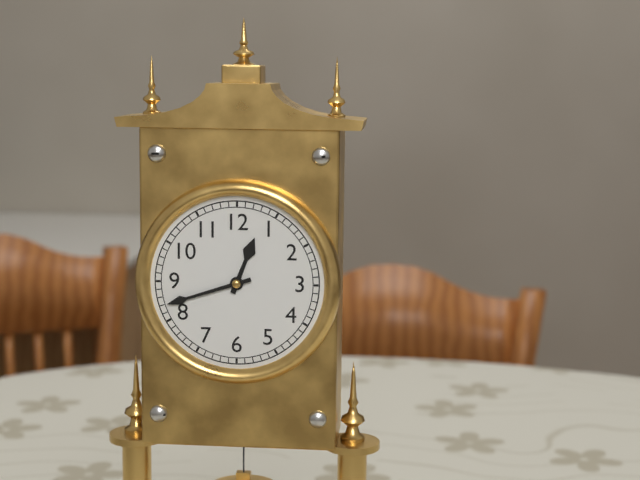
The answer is 12:42
